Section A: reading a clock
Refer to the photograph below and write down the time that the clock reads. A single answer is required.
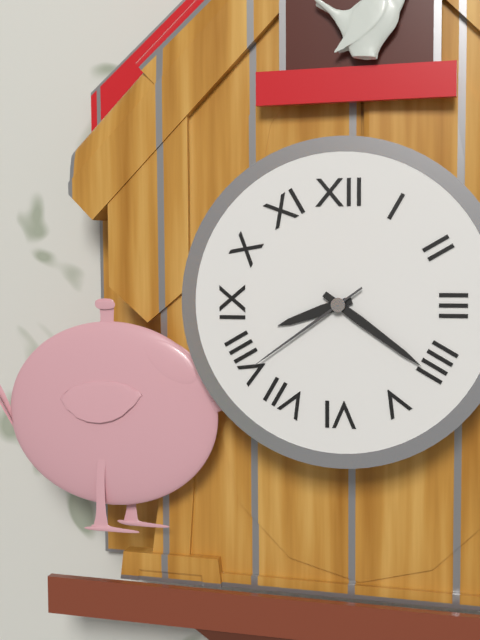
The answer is 8:21:39
